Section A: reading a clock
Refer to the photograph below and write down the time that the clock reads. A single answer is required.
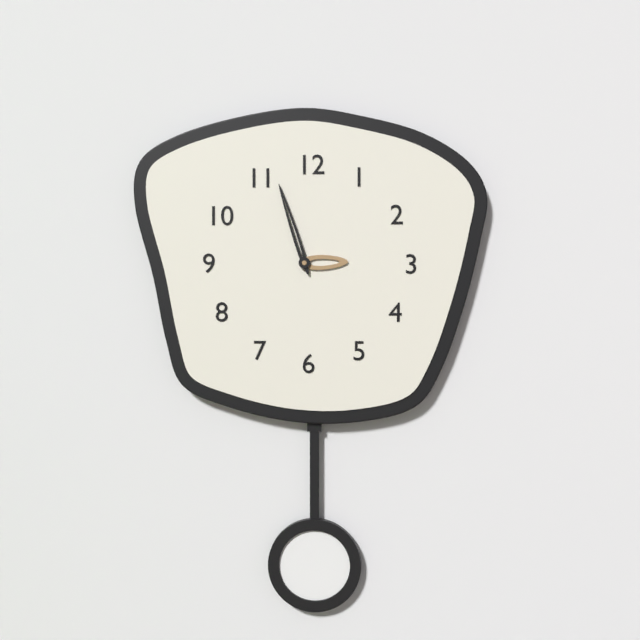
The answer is 2:57
